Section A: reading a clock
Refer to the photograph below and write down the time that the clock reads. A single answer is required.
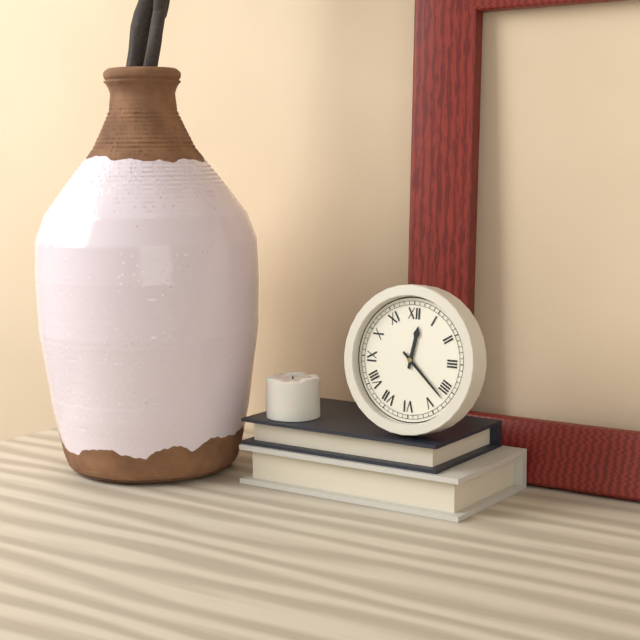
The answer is 12:22
